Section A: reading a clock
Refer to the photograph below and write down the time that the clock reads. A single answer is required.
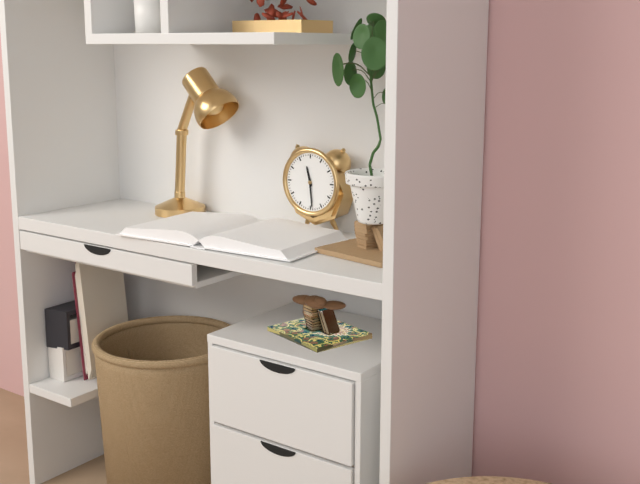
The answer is 11:29
